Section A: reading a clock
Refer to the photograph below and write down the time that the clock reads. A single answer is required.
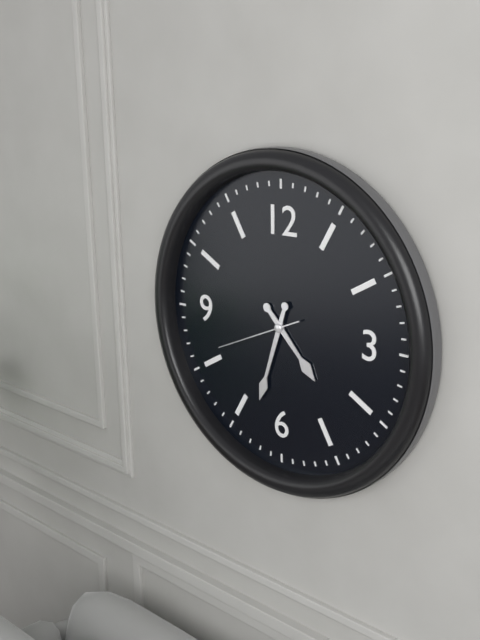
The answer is 4:33:41
